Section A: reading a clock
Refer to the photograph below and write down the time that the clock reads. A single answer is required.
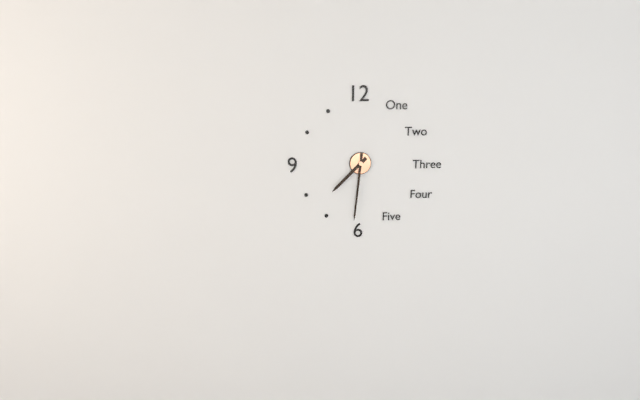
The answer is 7:31
